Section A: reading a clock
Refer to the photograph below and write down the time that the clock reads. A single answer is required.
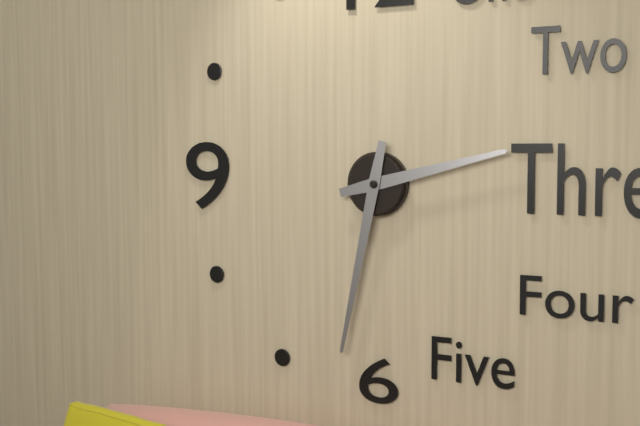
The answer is 2:32
